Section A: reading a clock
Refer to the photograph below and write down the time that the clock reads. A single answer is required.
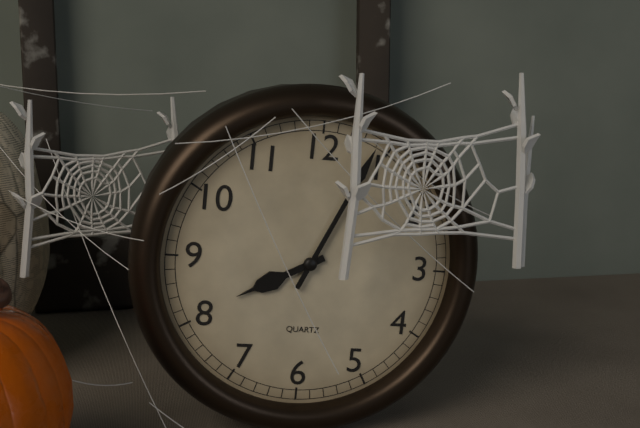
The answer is 8:04
